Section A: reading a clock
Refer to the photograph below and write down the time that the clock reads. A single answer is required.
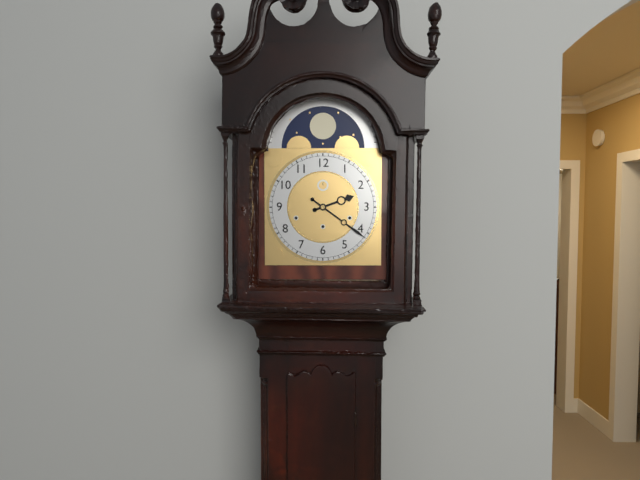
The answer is 2:21
